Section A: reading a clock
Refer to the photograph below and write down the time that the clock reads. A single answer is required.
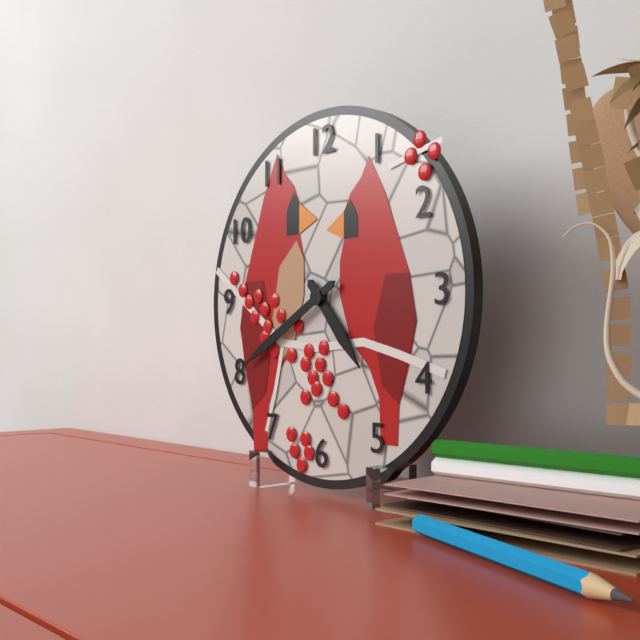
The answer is 4:40
